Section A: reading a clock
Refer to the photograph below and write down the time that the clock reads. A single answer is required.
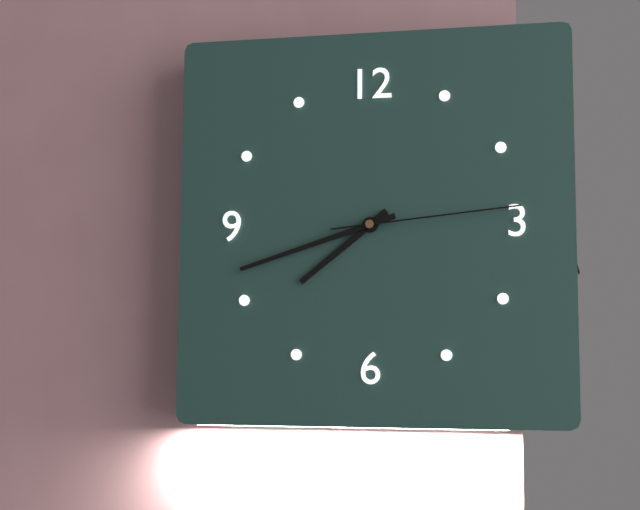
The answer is 7:42:14
